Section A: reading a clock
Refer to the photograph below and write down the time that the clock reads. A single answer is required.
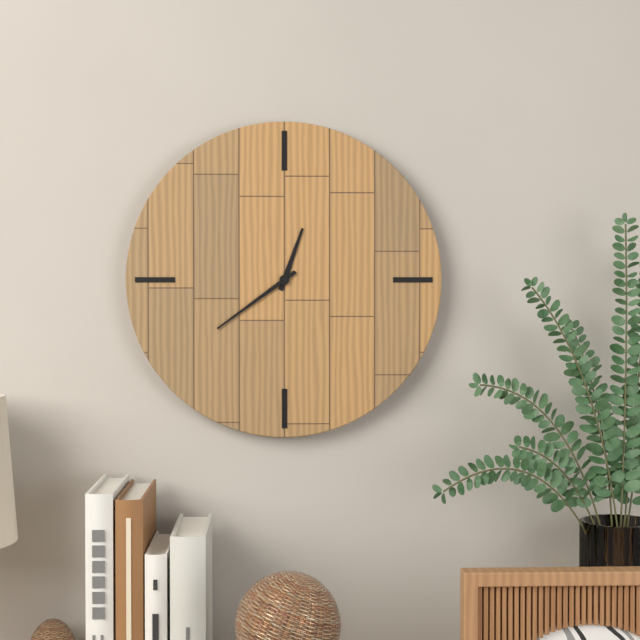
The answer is 12:39
